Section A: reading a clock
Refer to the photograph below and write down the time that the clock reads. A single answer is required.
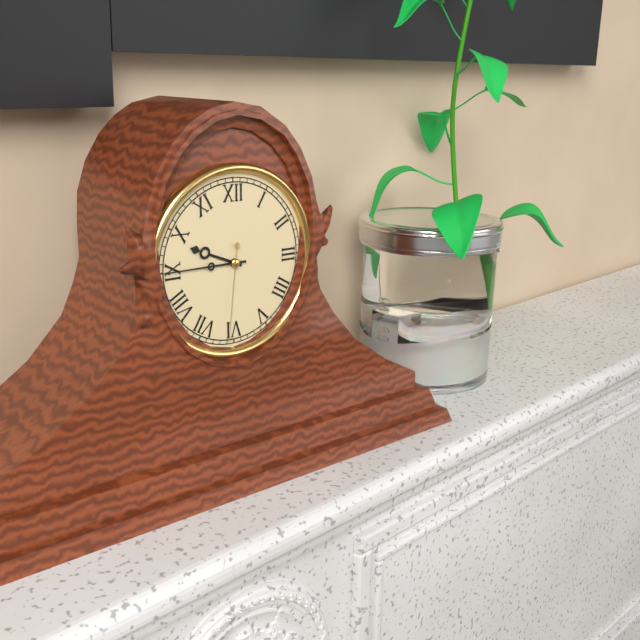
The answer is 9:45:31
